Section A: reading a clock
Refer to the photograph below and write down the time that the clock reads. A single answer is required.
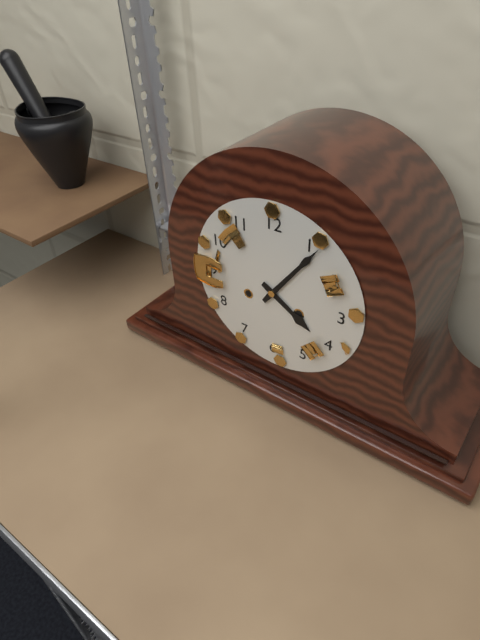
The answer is 4:06
